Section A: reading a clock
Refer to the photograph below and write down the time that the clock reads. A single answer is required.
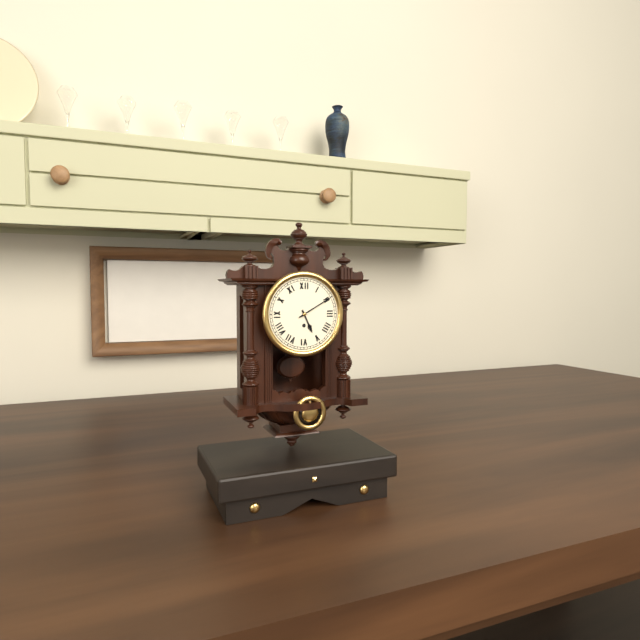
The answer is 5:10
